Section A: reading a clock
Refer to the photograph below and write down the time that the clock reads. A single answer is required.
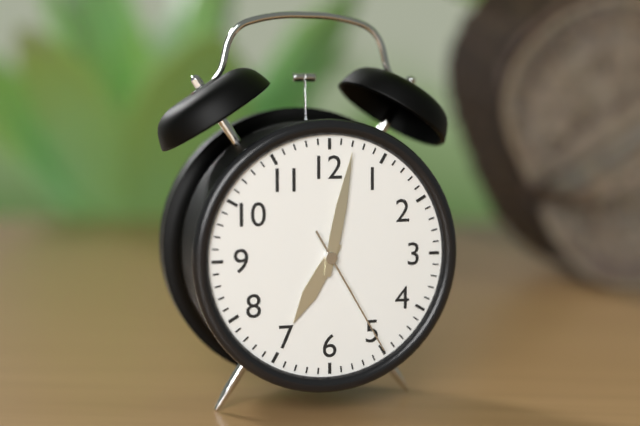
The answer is 7:02:25
